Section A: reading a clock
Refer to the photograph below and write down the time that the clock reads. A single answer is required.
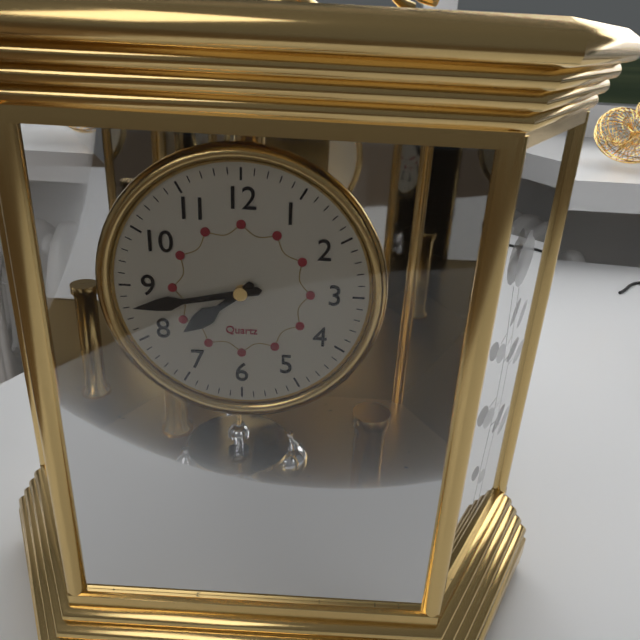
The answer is 7:43
